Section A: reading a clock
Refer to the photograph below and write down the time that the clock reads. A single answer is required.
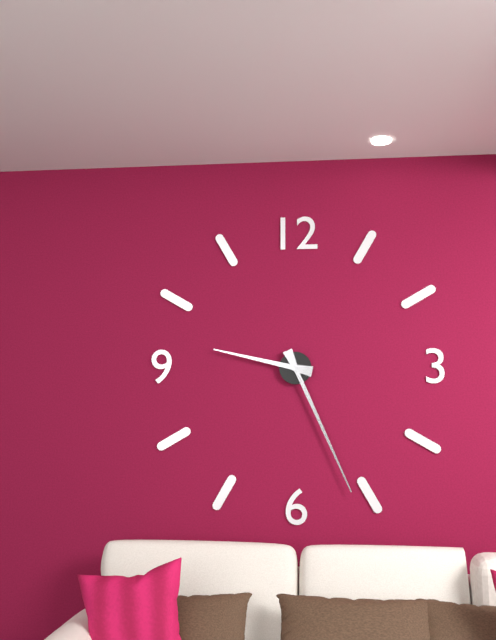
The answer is 9:26
